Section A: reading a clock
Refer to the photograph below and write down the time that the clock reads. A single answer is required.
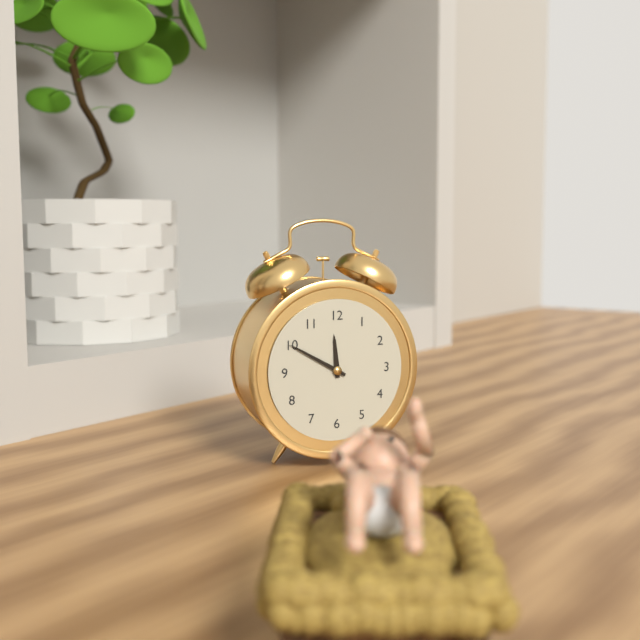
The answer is 11:50
